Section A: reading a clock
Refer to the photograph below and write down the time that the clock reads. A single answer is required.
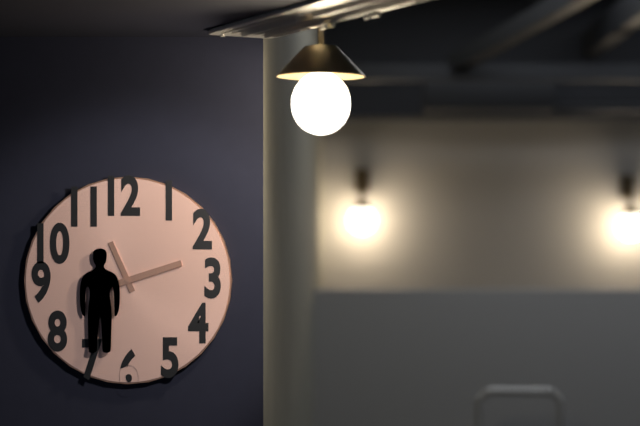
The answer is 11:12
